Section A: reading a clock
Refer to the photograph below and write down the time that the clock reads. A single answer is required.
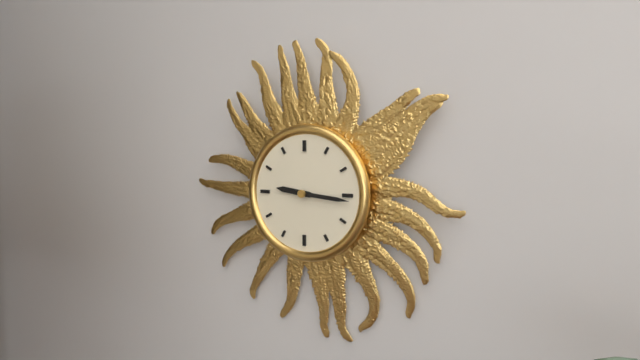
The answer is 9:16
